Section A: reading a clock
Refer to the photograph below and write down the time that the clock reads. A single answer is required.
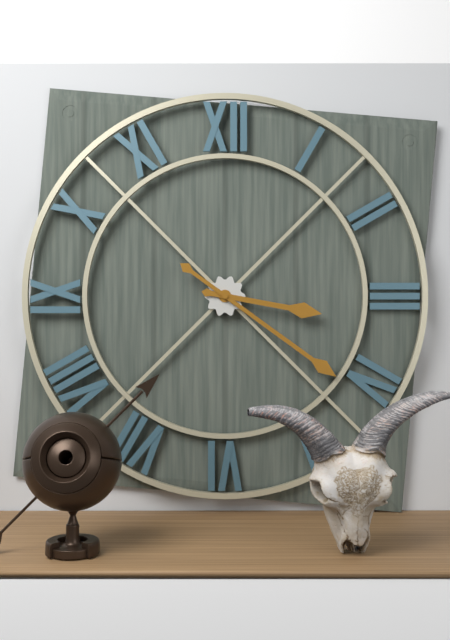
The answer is 3:21
